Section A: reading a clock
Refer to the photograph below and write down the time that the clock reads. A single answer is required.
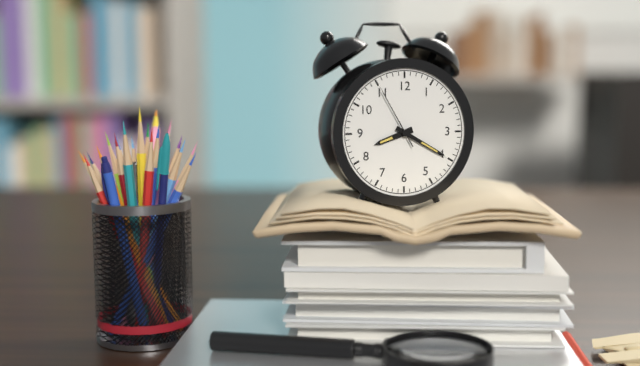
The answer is 8:20:55
